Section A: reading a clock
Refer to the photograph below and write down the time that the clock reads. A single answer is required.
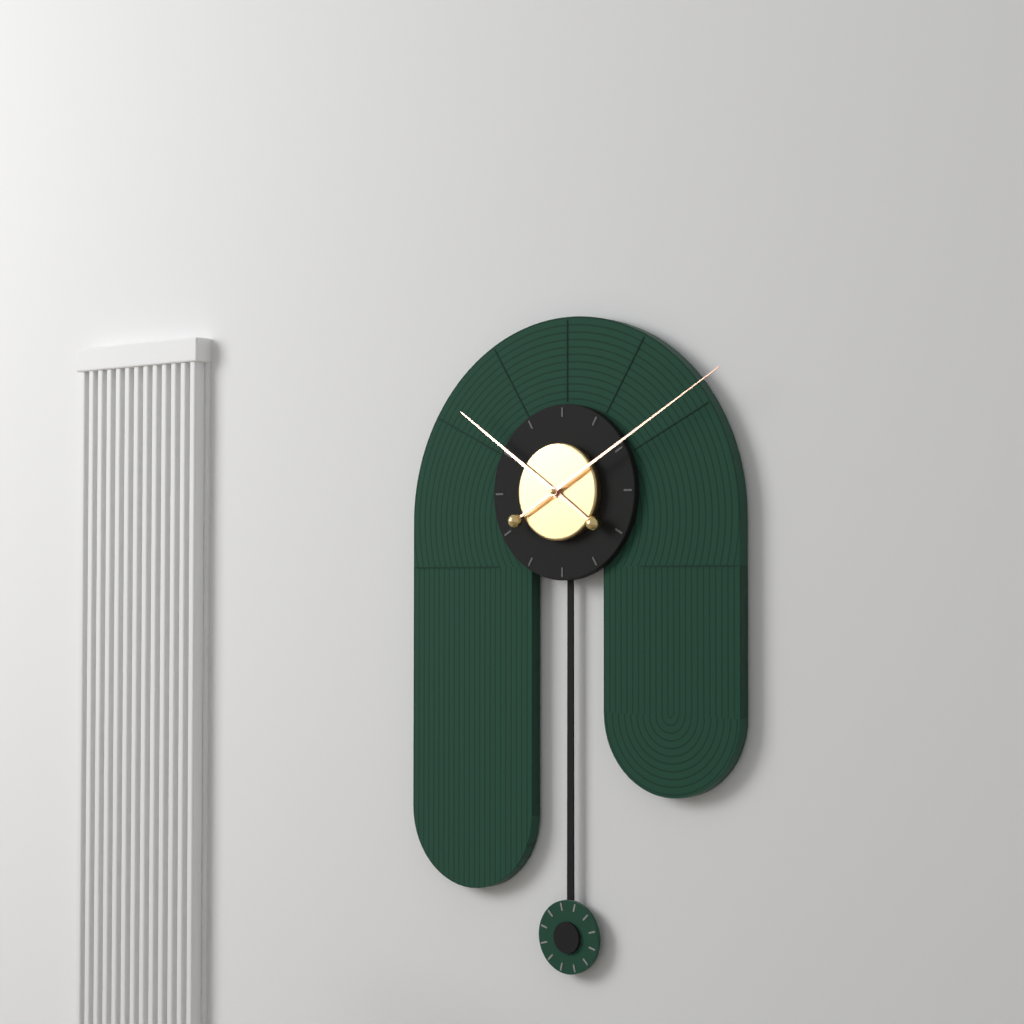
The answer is 10:10
